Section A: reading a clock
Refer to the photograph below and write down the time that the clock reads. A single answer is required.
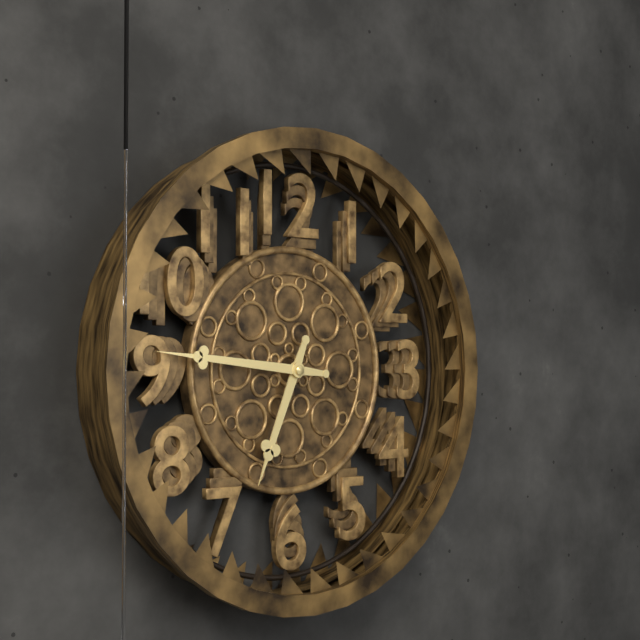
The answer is 6:46
